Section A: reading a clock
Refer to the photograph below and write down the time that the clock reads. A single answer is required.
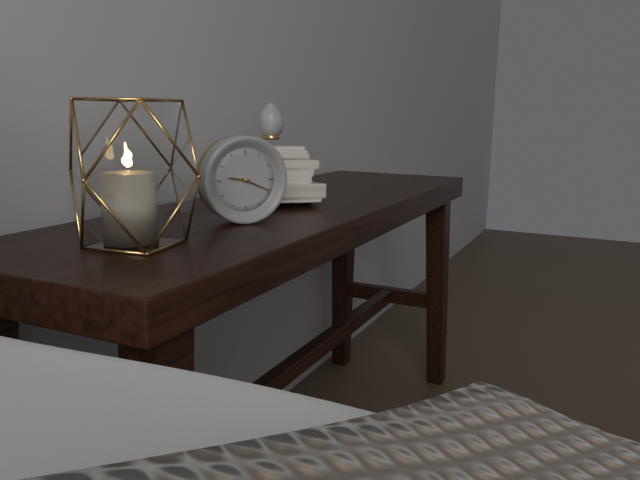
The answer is 9:19
